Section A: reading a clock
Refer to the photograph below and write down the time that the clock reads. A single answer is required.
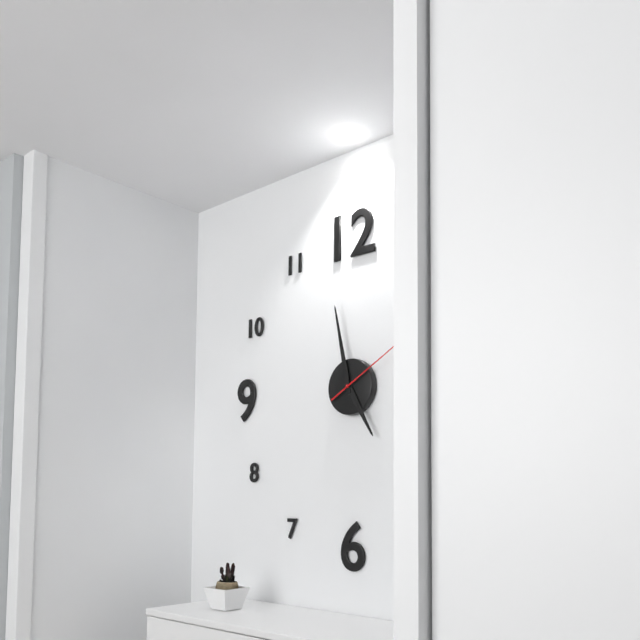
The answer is 4:58:10
